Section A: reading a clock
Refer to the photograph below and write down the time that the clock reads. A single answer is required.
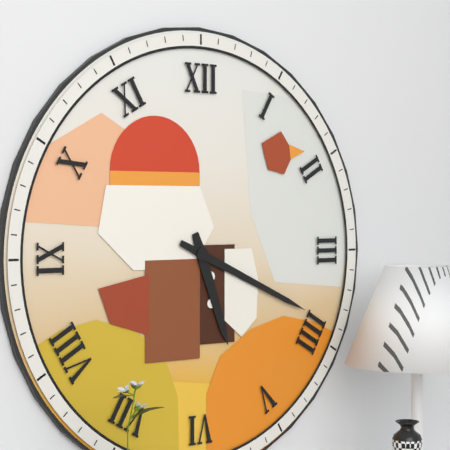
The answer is 5:19
